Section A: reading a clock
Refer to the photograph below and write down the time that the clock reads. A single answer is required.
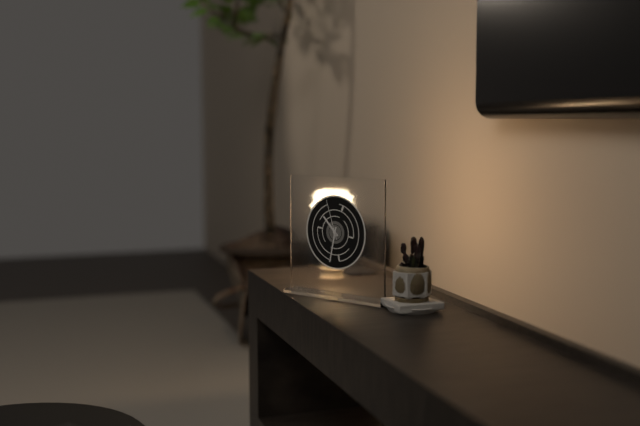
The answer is 10:32
